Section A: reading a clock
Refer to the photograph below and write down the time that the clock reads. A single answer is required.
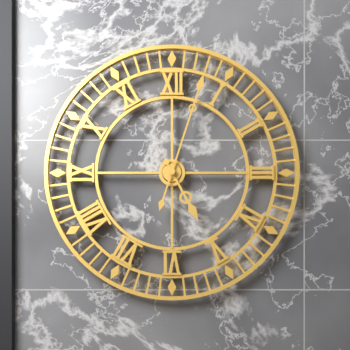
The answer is 5:03
